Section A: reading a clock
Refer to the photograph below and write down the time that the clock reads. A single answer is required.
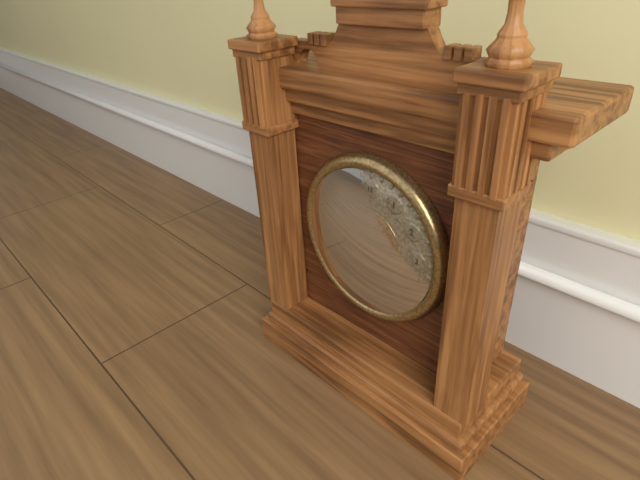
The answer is 10:22
